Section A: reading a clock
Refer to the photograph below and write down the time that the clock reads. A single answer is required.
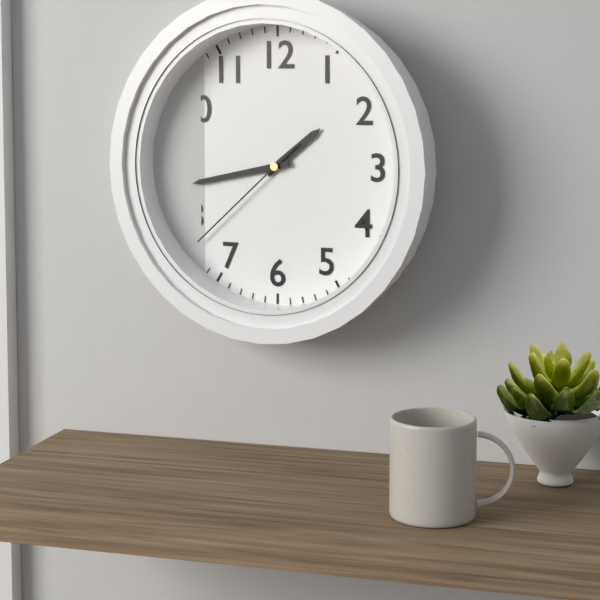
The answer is 1:43:38
